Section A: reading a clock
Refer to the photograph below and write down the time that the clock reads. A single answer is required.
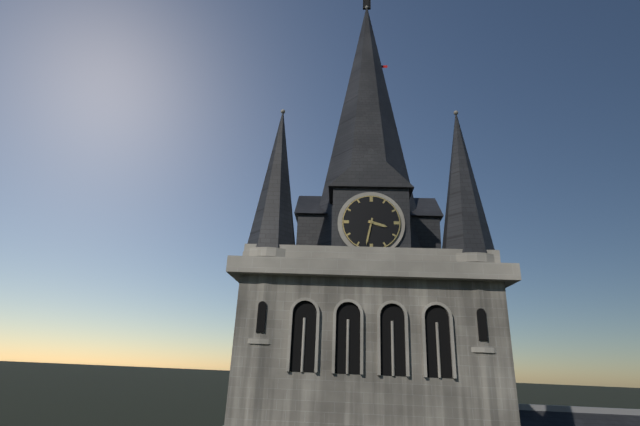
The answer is 3:32
